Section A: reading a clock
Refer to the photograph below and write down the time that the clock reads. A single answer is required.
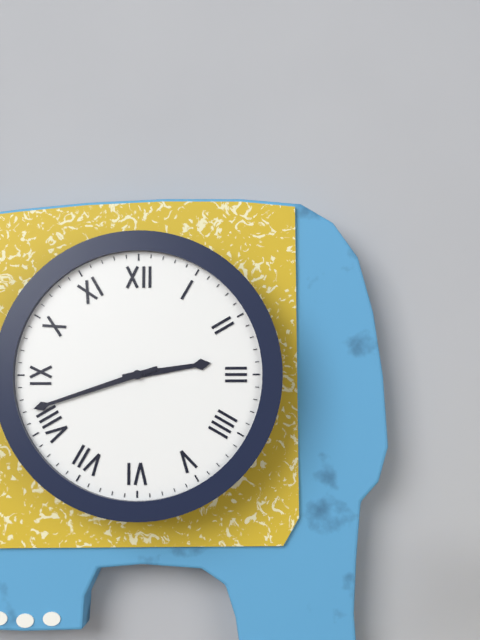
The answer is 2:42
